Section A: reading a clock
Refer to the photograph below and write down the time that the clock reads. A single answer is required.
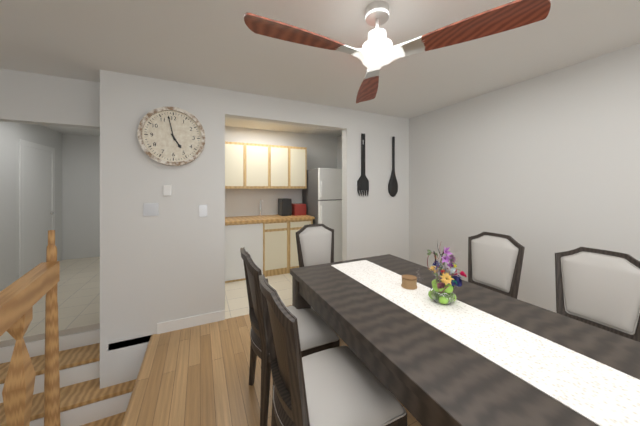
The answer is 4:58
